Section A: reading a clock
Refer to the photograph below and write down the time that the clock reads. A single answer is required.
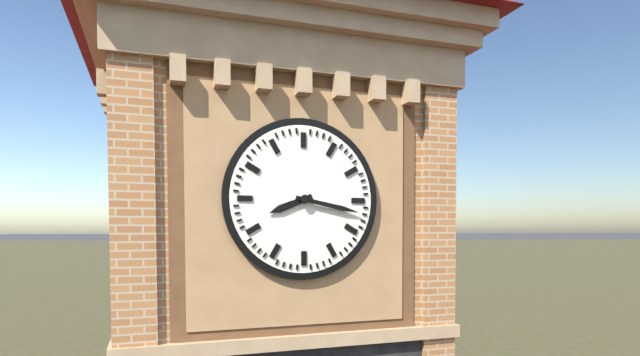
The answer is 8:17
